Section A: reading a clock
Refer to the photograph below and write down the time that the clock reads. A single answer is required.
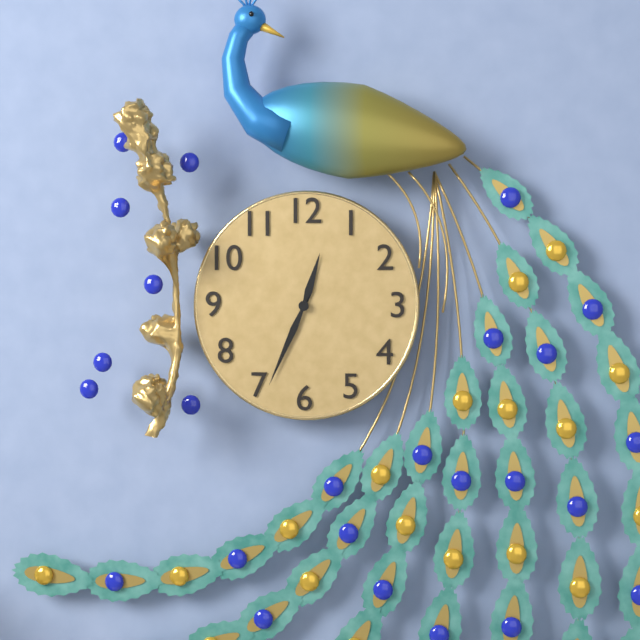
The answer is 12:34
